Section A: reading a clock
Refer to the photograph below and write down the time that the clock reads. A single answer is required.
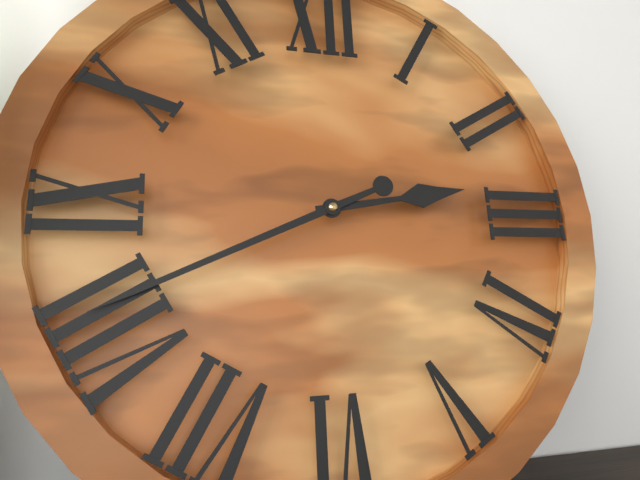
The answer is 2:41
